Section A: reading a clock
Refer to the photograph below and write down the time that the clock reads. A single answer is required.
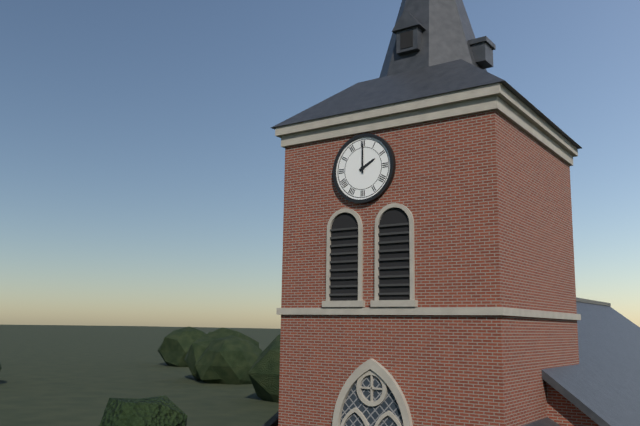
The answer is 2:00
